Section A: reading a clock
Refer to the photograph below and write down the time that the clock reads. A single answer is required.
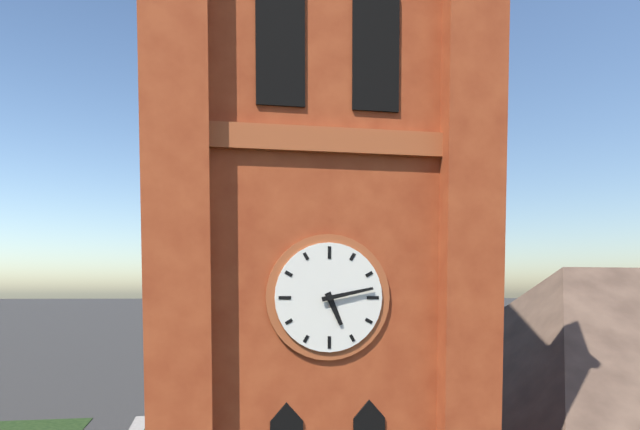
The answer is 5:13
